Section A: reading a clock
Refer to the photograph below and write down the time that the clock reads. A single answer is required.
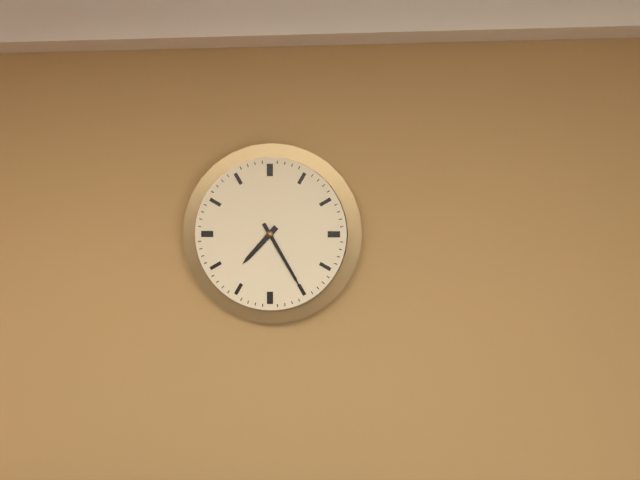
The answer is 7:25
